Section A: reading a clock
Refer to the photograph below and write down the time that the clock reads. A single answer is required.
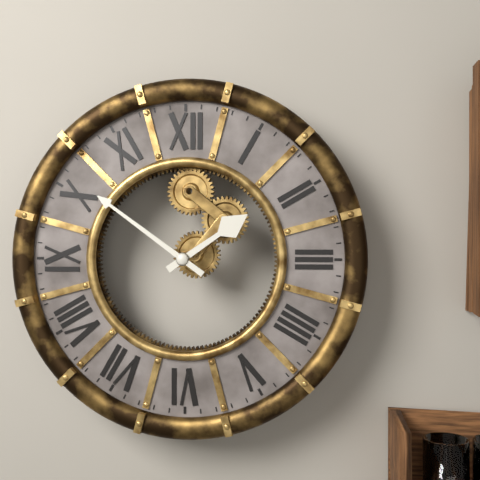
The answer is 1:51
